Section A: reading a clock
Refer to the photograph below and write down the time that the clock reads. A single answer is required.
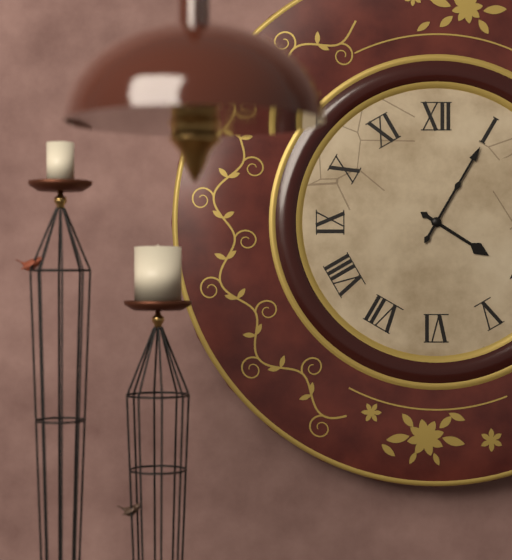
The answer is 4:05
